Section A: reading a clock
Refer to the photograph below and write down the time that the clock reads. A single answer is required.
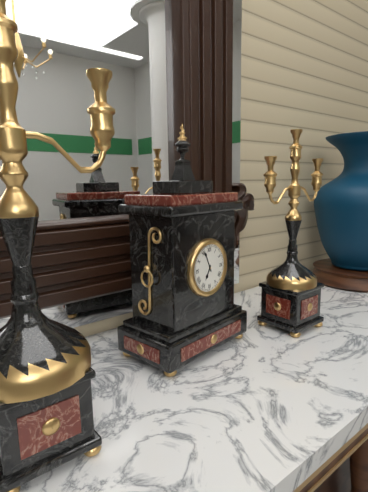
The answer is 6:56
